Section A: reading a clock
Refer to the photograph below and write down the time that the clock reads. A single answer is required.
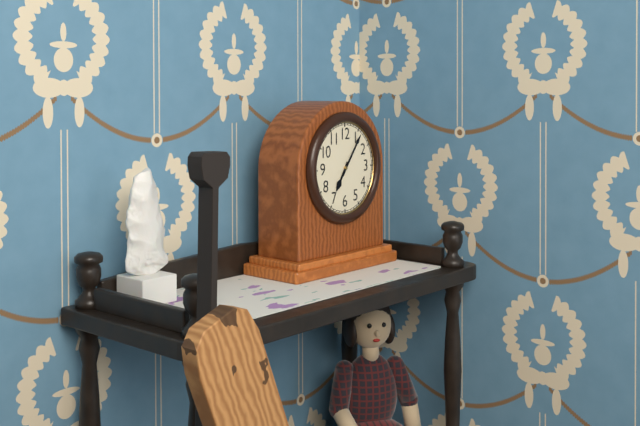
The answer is 7:06
